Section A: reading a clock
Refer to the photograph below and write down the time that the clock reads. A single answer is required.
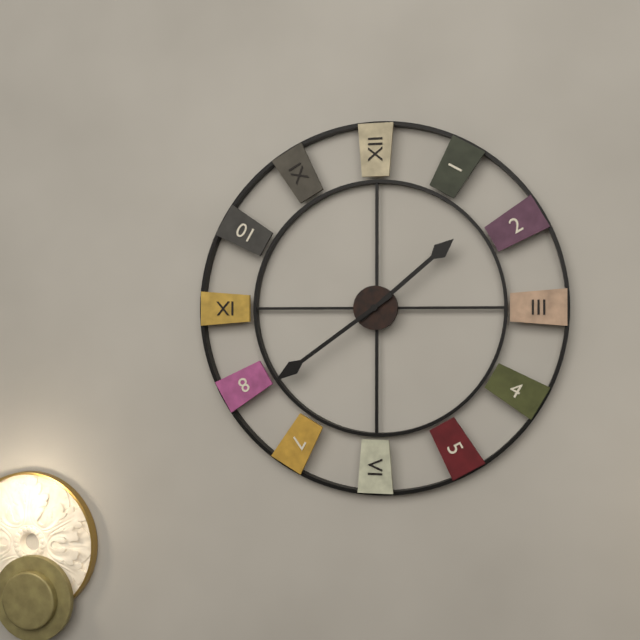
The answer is 1:39
